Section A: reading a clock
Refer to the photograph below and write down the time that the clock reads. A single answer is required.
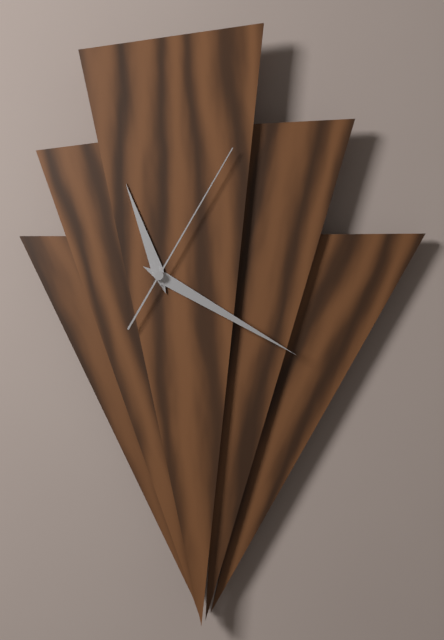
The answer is 11:20:05
